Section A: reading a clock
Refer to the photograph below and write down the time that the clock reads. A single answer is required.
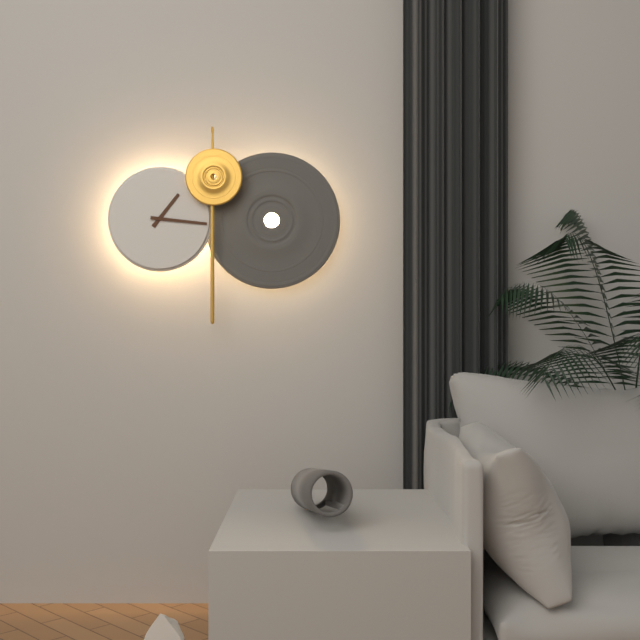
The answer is 1:16
